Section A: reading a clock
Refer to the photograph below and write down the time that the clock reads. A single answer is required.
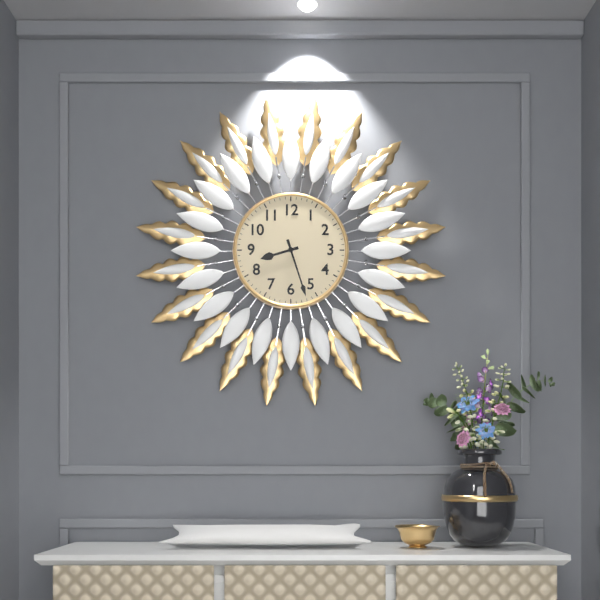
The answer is 8:27
